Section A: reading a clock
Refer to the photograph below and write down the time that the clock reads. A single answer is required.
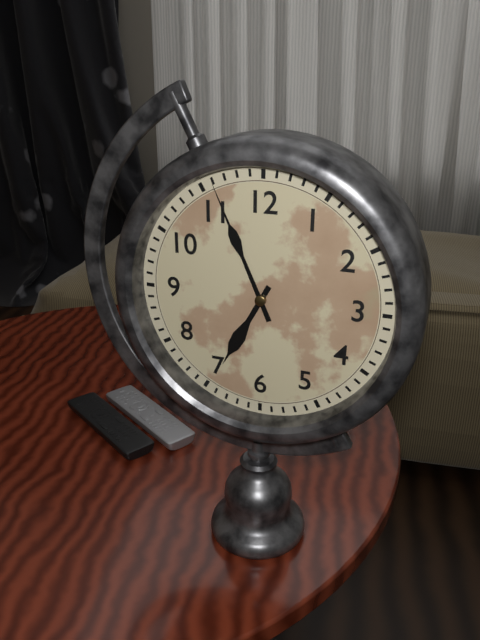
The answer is 6:56
